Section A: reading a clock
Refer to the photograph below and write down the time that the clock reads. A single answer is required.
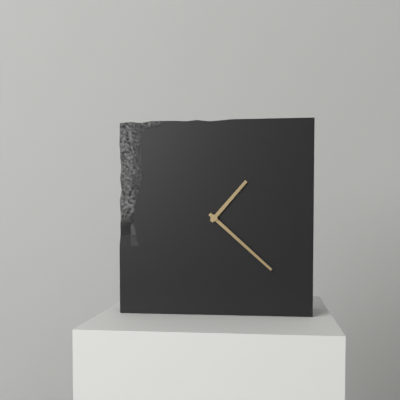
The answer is 1:22
